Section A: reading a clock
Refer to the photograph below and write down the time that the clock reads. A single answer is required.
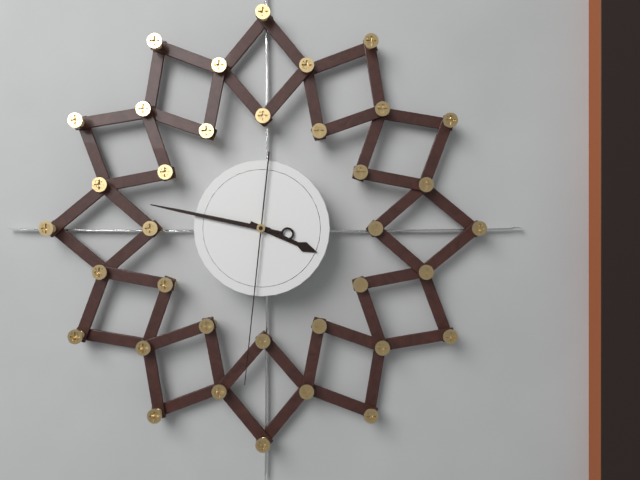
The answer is 3:47:31
